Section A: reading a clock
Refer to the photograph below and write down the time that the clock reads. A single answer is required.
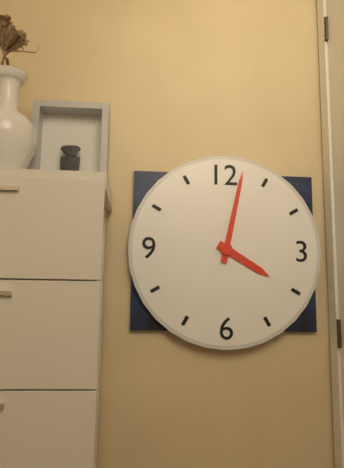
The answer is 4:02
